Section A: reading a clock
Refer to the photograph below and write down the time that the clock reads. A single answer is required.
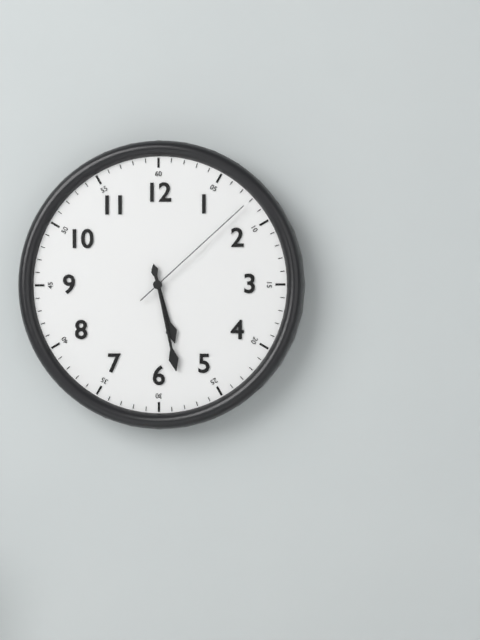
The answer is 5:28:08
